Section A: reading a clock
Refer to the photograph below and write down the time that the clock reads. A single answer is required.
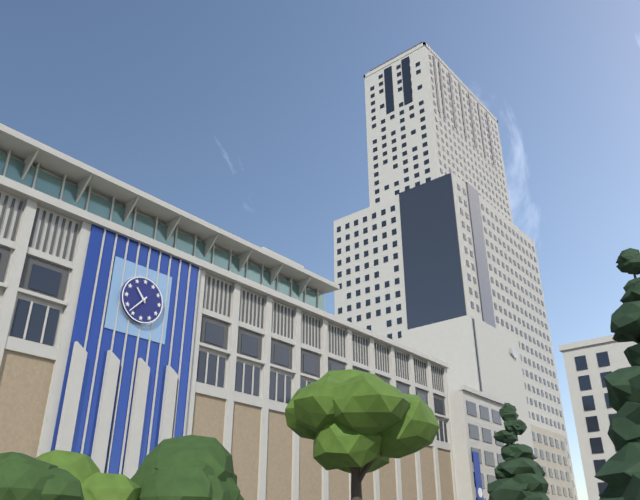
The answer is 10:37
